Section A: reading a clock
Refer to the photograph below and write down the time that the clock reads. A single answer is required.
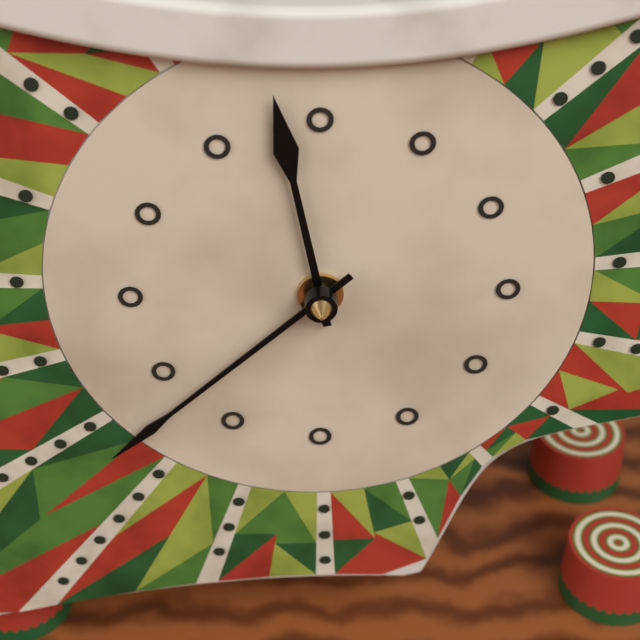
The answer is 11:38
